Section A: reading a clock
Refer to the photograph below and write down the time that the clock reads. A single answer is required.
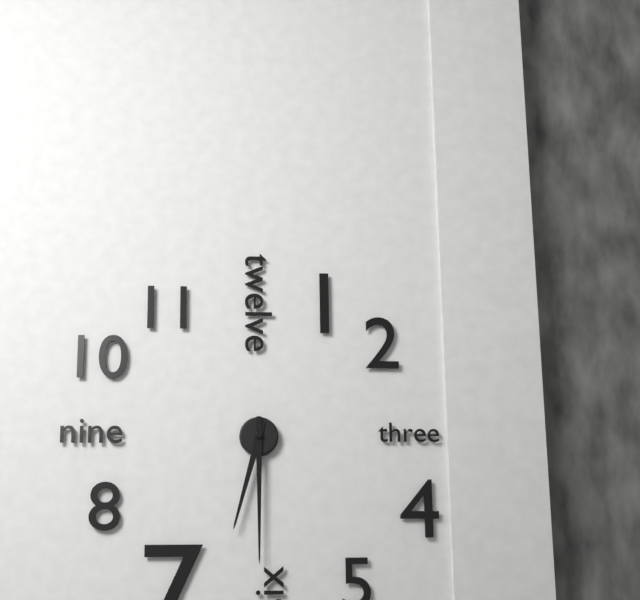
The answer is 6:30
